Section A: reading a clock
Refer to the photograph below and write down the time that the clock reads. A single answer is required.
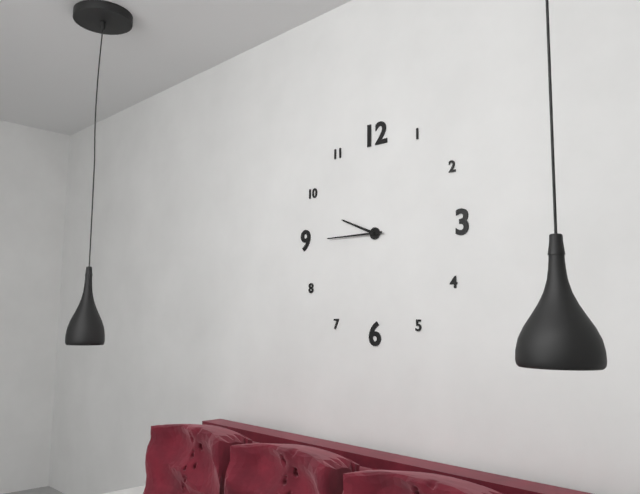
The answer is 9:45
